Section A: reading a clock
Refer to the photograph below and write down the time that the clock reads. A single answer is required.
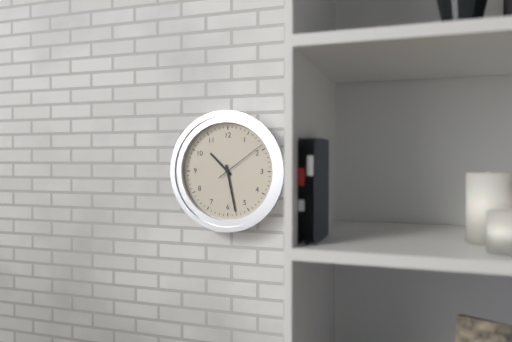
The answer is 10:28:09
